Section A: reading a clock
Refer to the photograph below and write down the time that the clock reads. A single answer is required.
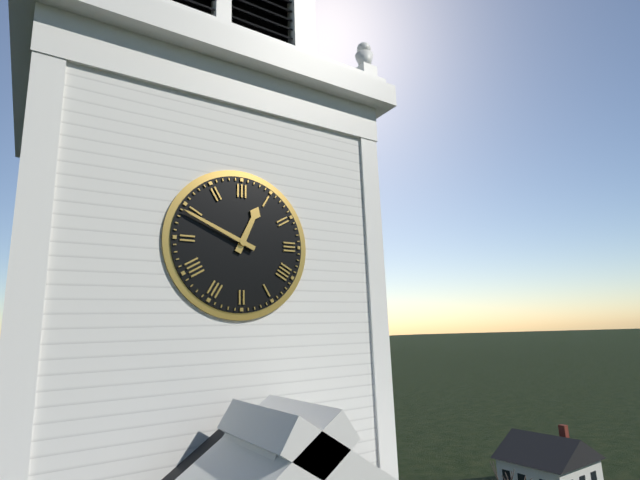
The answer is 12:49
